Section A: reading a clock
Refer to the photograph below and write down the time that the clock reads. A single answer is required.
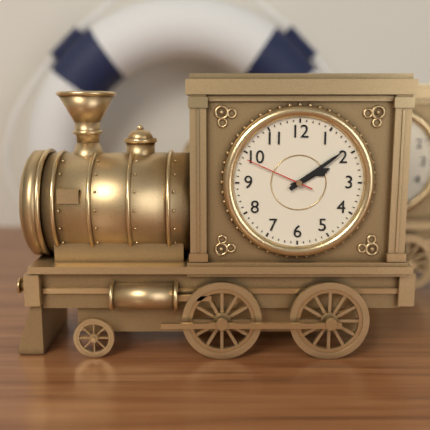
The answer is 2:09:49
